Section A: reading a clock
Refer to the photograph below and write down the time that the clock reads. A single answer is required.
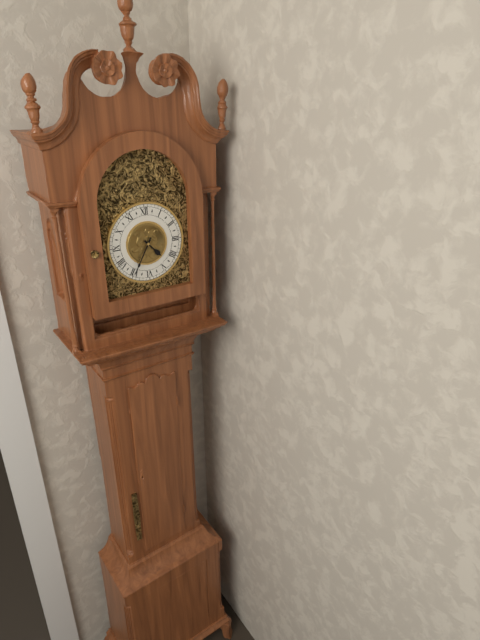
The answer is 4:35
